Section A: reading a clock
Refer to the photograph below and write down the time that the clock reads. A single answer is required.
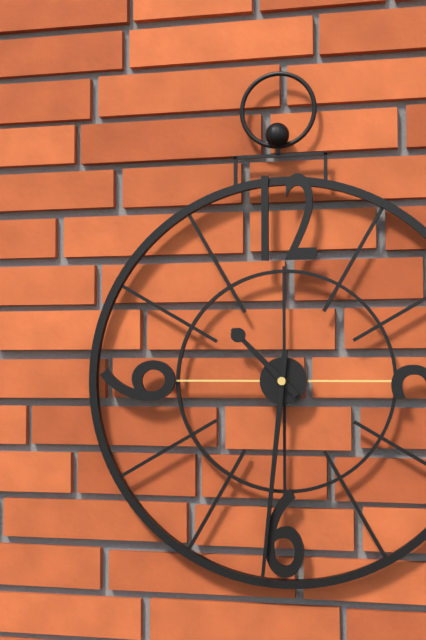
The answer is 10:31
